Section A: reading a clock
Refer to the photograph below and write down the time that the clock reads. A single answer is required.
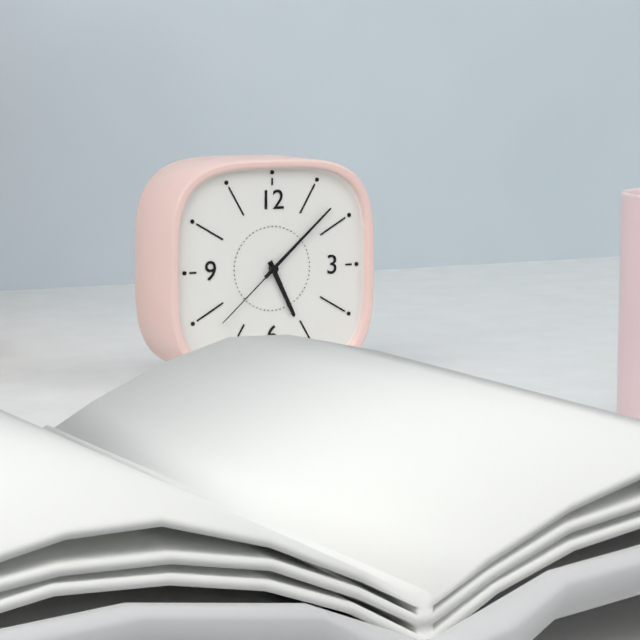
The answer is 5:08:38
